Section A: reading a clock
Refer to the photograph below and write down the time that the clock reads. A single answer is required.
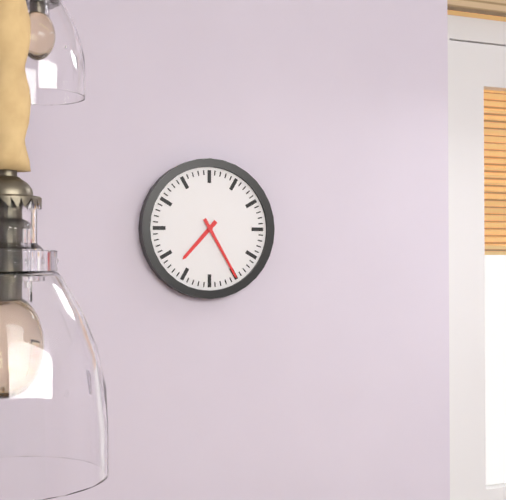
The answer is 7:25
